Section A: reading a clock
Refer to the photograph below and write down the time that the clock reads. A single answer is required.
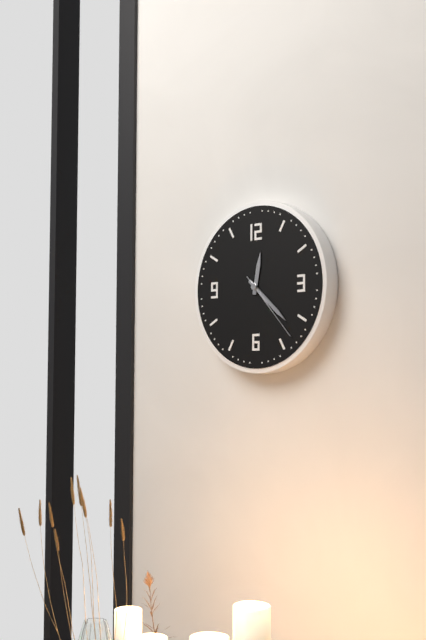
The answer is 12:22:23
